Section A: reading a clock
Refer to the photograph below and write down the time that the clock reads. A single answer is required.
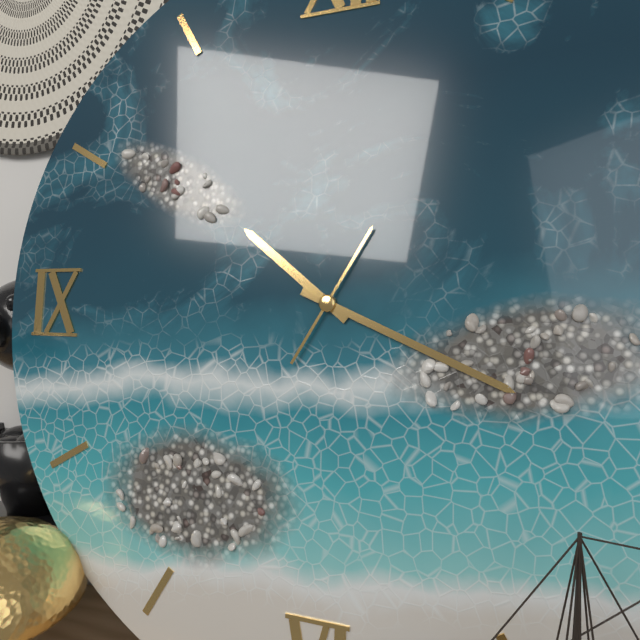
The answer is 10:19:05
